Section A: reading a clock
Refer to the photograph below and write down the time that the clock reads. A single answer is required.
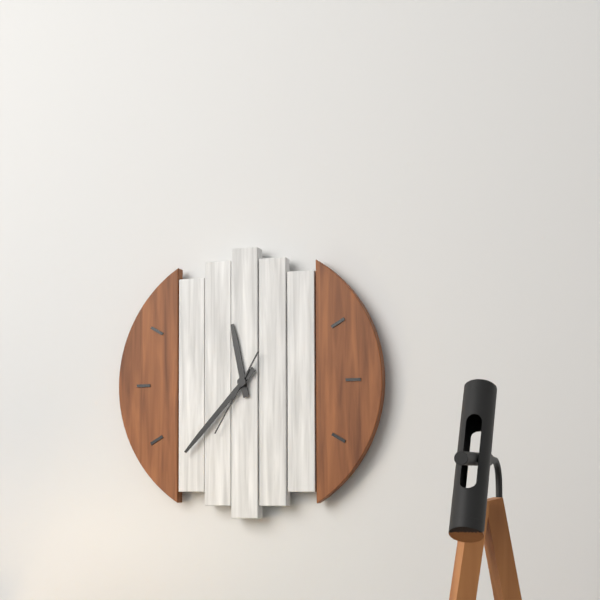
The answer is 11:37:35
